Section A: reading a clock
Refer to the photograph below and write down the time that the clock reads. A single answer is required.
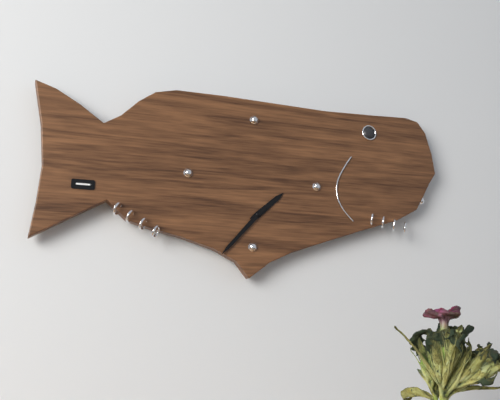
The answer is 1:37
